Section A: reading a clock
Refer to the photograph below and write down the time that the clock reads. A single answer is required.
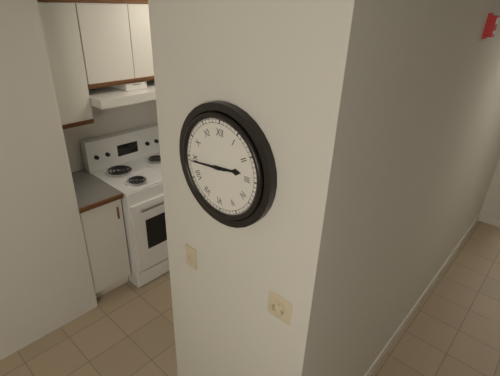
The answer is 2:44
